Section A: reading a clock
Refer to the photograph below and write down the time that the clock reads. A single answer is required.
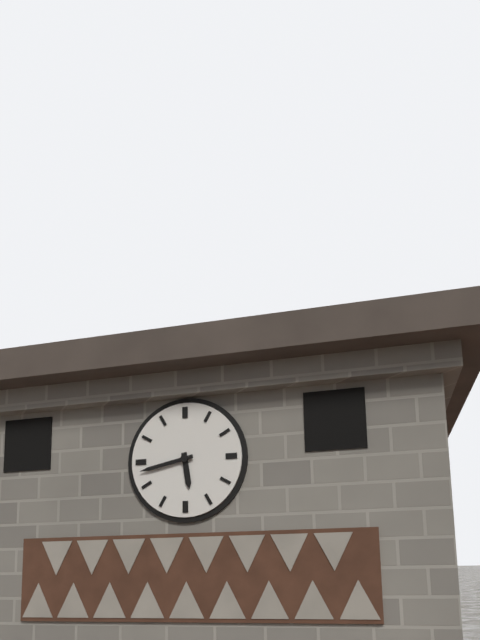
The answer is 5:43
